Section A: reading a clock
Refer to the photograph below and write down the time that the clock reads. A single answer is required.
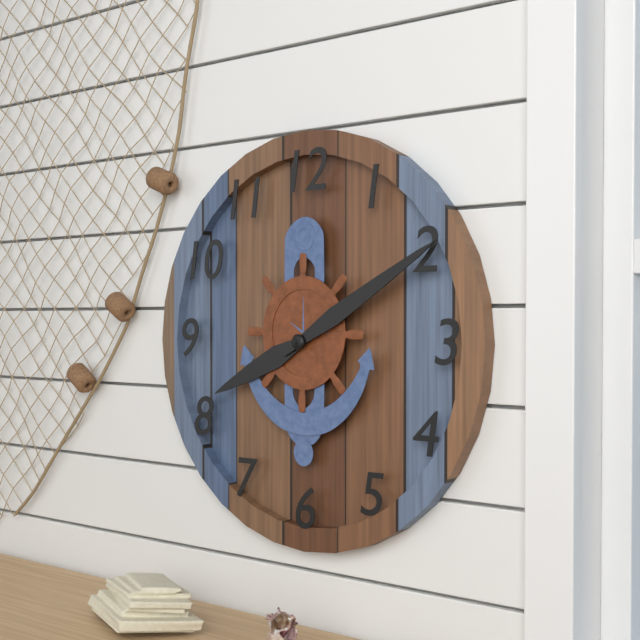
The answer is 8:10
